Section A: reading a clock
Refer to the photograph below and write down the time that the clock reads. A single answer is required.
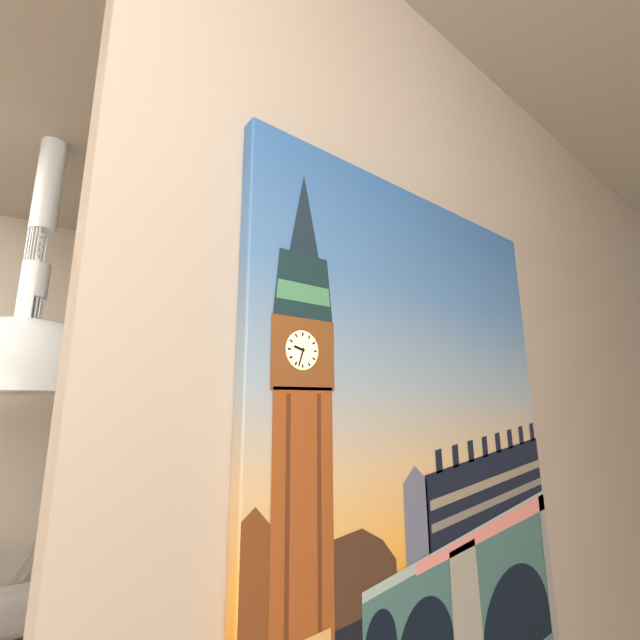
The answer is 9:33
